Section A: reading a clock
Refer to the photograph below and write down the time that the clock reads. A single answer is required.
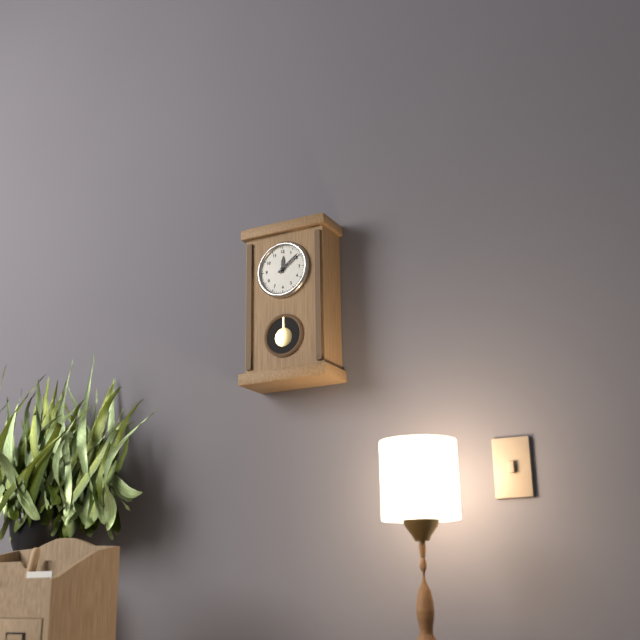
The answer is 12:09
